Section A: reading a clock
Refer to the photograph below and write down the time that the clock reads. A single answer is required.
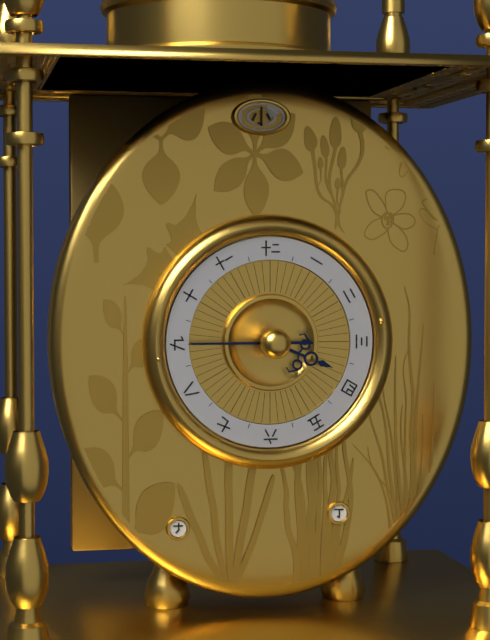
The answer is 3:45
